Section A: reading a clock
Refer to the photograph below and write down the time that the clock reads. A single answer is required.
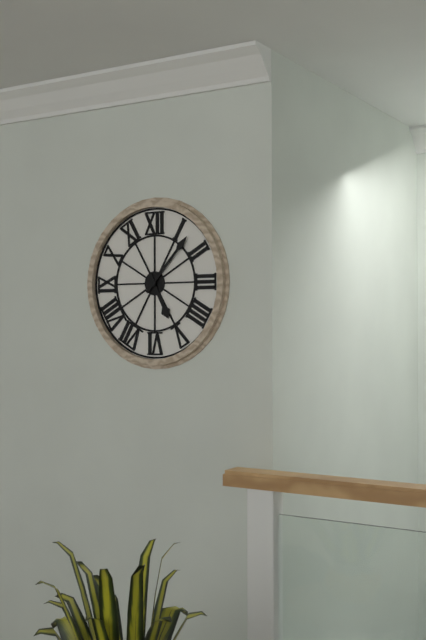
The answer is 5:07
